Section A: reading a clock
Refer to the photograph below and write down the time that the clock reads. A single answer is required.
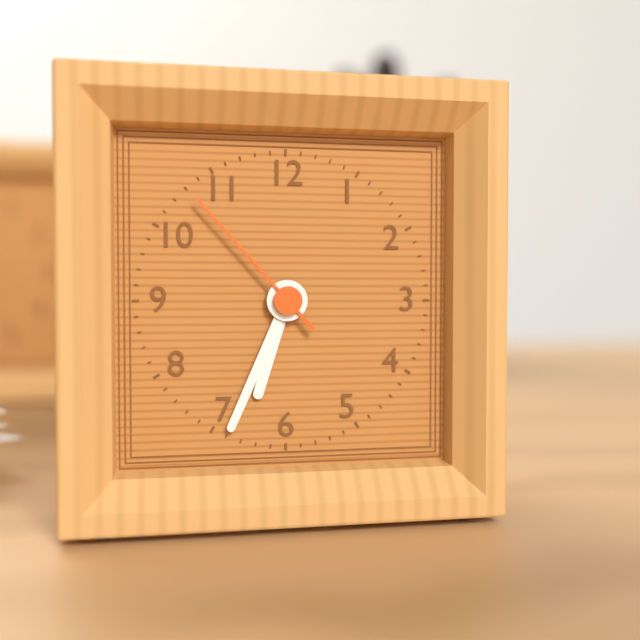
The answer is 6:34:53
